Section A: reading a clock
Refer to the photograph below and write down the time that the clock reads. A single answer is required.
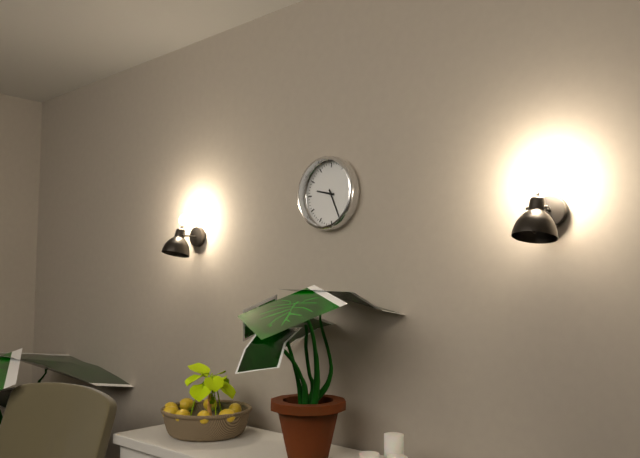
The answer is 9:26
